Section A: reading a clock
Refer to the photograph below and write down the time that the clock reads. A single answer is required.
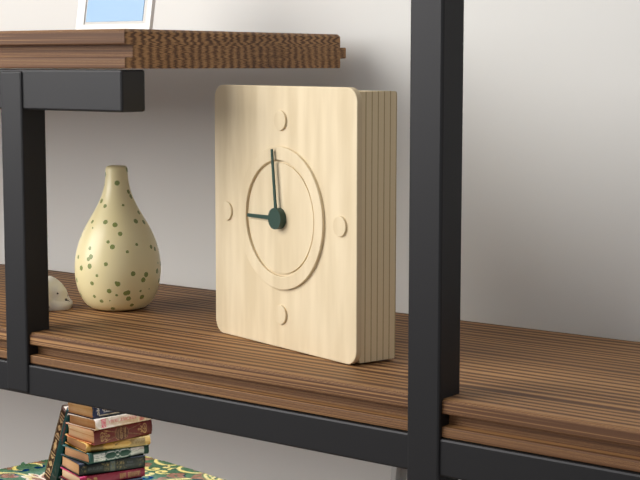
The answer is 8:59
